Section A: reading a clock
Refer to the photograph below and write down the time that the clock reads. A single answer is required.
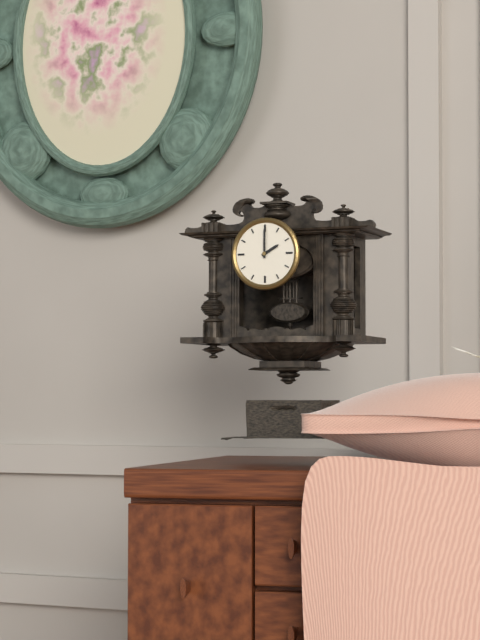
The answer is 2:00
